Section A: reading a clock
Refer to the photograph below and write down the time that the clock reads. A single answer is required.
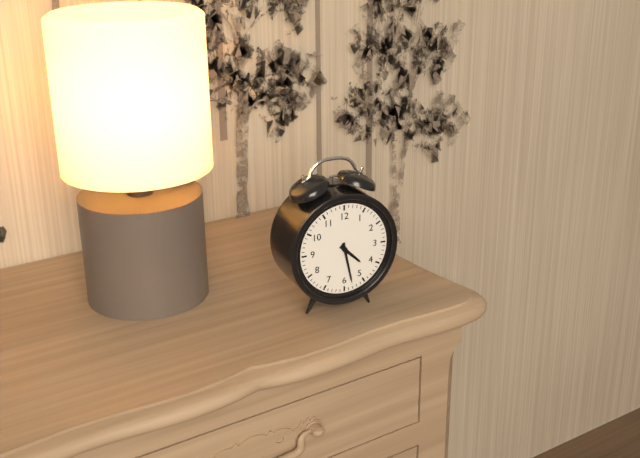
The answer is 4:28
